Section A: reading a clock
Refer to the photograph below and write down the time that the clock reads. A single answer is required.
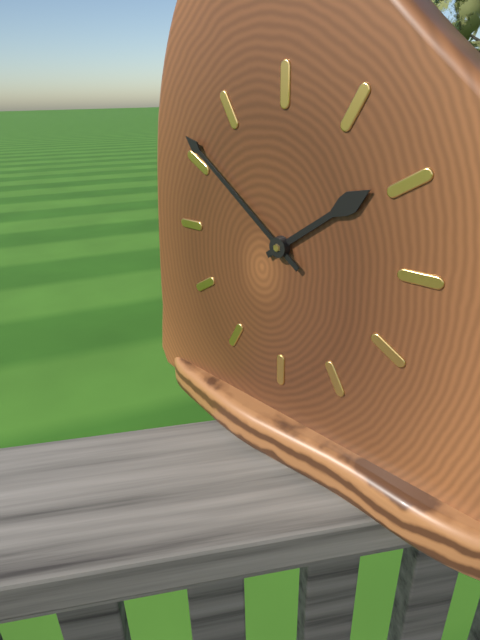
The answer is 1:51
